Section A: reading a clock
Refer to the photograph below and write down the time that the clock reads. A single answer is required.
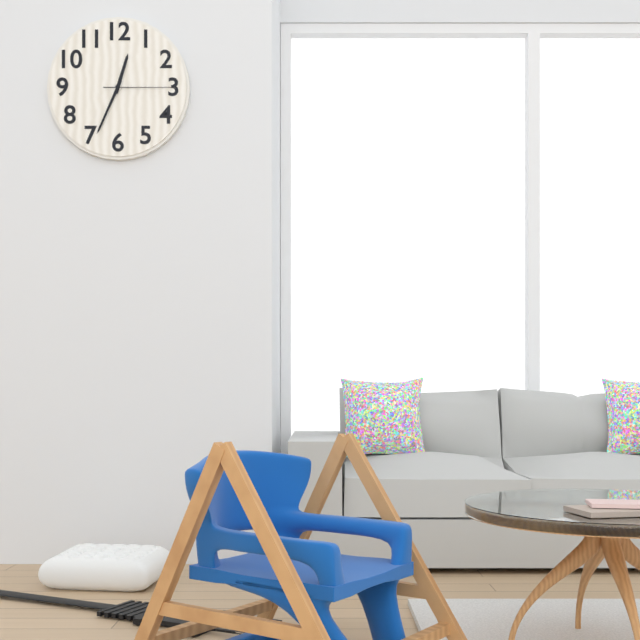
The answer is 12:34:15
